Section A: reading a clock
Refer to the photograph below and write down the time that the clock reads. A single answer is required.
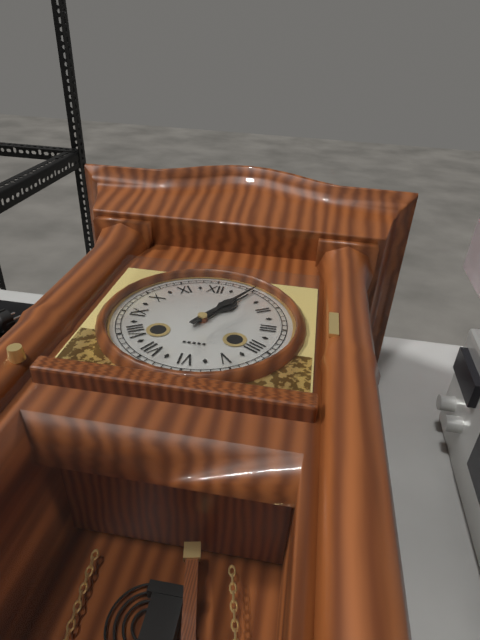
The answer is 1:05
